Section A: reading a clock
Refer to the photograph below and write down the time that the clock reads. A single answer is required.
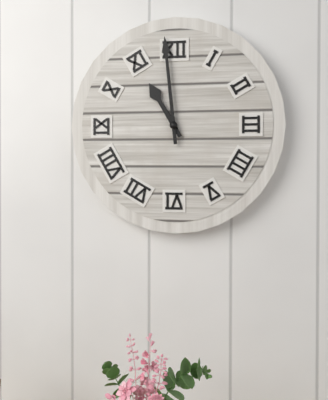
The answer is 10:59
